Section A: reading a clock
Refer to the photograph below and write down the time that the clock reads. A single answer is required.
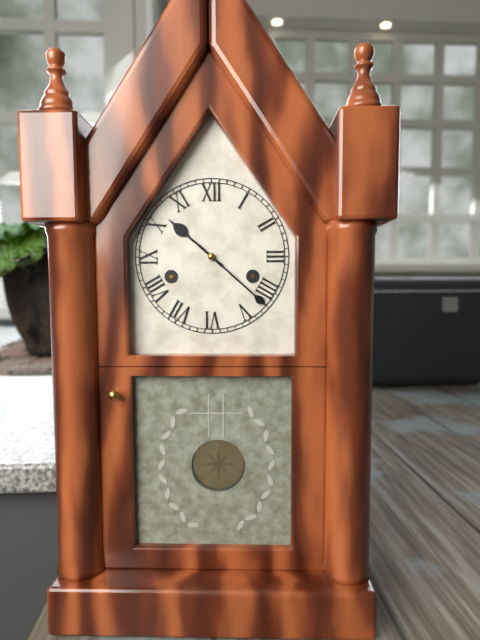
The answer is 10:22
